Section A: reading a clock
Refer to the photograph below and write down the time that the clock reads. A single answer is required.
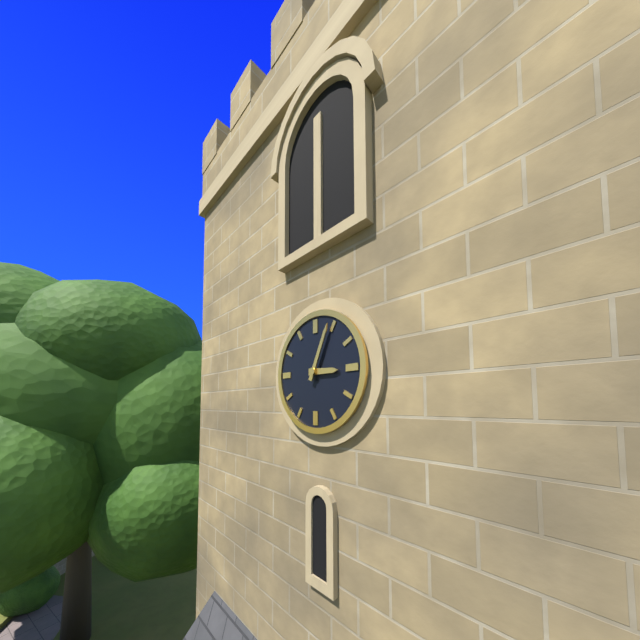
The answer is 3:04
